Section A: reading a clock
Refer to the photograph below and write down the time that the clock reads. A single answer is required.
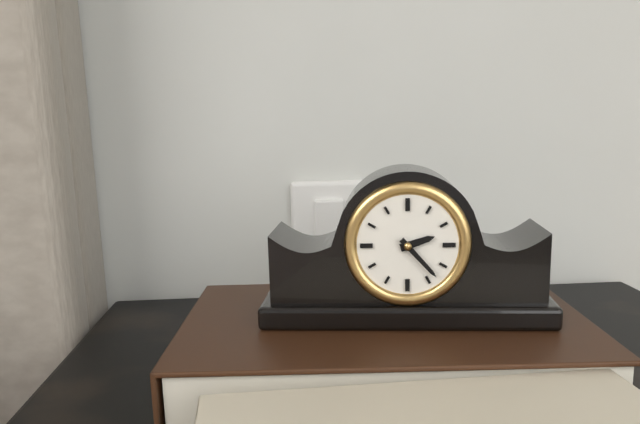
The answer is 2:23
